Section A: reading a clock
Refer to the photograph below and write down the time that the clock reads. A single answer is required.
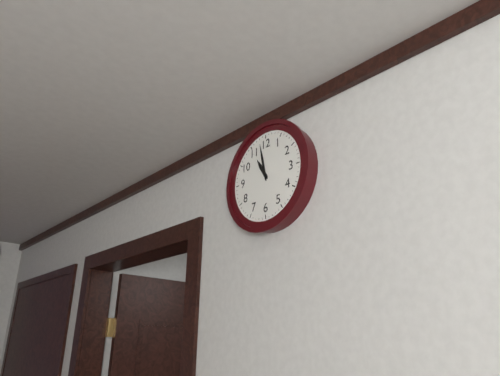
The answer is 10:58
